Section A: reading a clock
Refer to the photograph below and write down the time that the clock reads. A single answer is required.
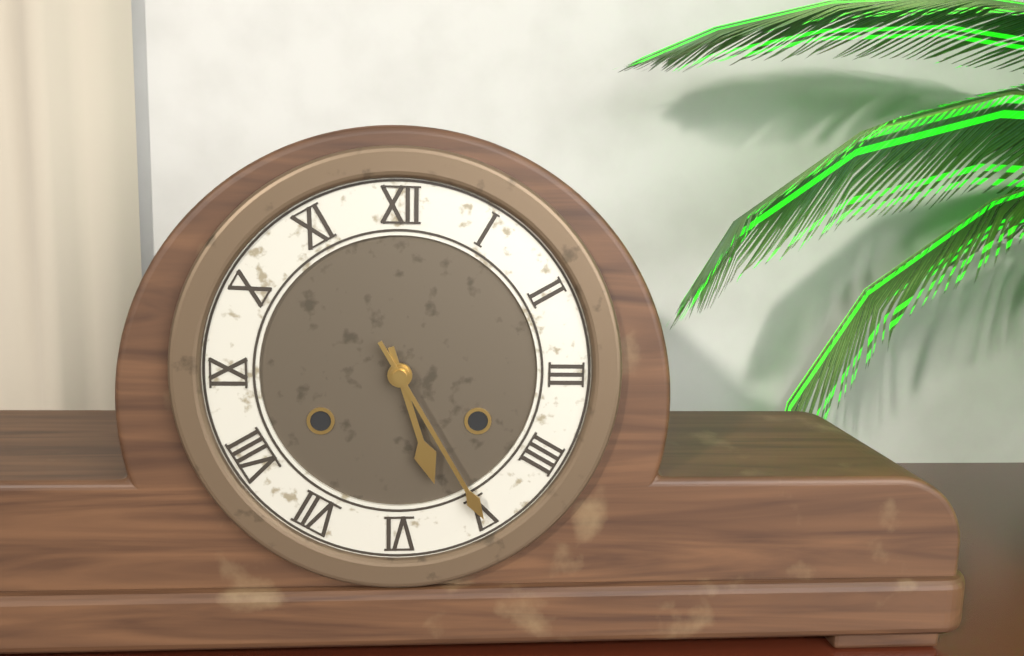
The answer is 5:25
